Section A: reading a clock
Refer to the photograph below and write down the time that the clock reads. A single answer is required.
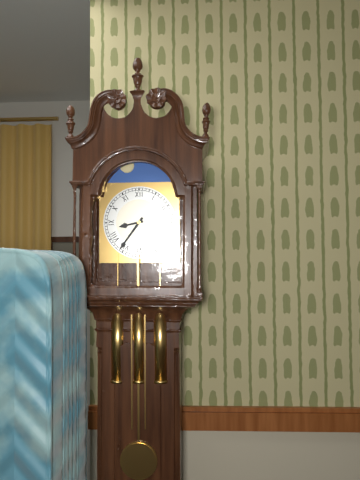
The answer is 8:36
